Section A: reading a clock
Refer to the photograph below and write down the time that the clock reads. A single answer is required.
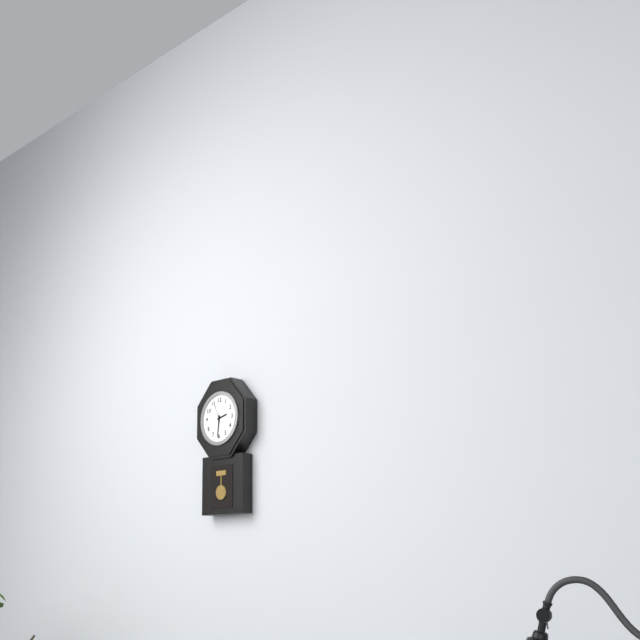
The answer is 2:31
